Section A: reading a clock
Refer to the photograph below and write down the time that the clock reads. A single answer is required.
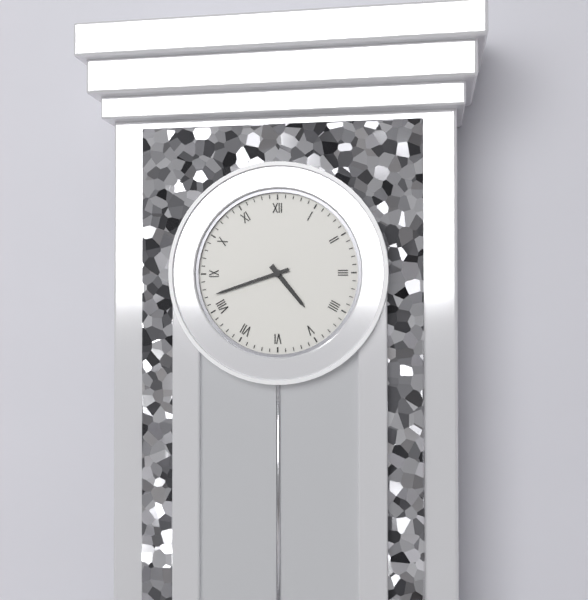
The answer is 4:42
